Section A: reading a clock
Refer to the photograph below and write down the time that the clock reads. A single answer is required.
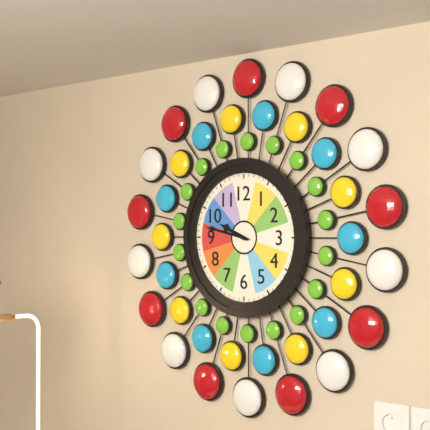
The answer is 9:47
